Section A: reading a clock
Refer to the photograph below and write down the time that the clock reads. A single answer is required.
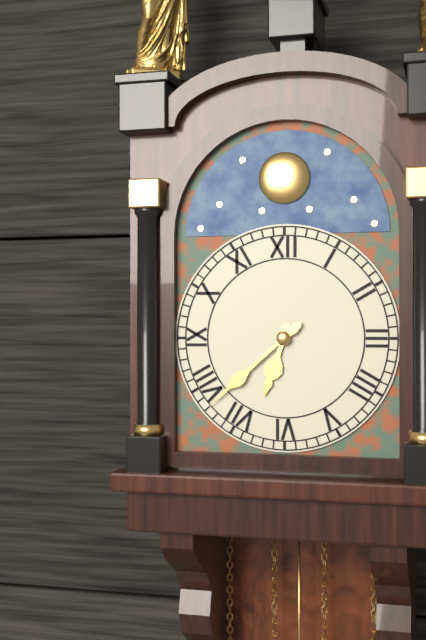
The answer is 6:38
